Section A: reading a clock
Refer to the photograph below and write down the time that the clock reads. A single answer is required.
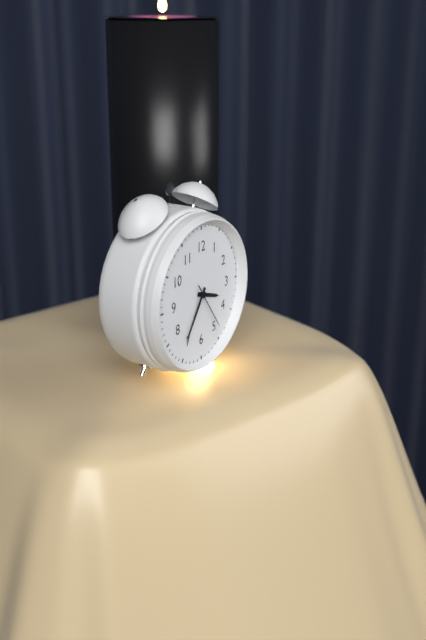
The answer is 3:36
